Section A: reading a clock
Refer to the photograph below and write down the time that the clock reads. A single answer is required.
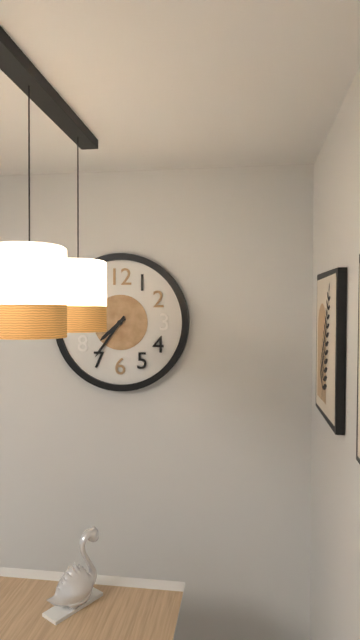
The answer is 7:36
